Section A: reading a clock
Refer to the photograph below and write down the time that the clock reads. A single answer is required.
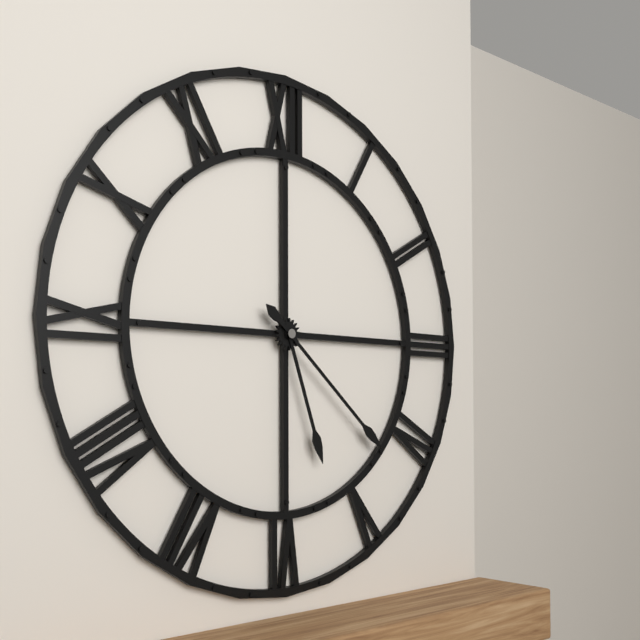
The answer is 5:22
